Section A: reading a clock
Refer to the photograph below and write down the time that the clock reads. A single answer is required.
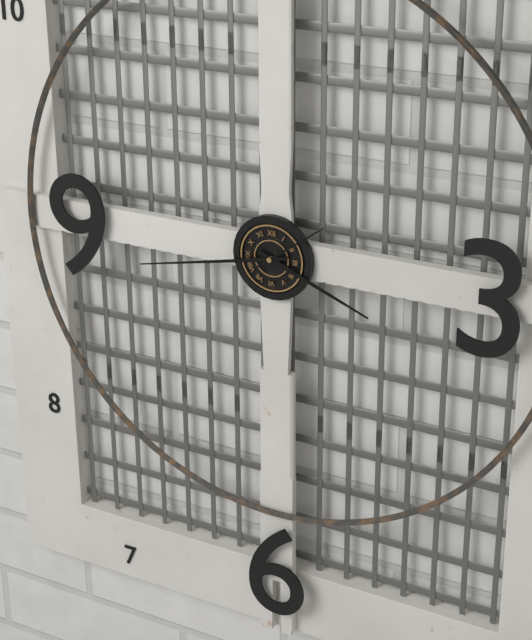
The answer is 3:43
